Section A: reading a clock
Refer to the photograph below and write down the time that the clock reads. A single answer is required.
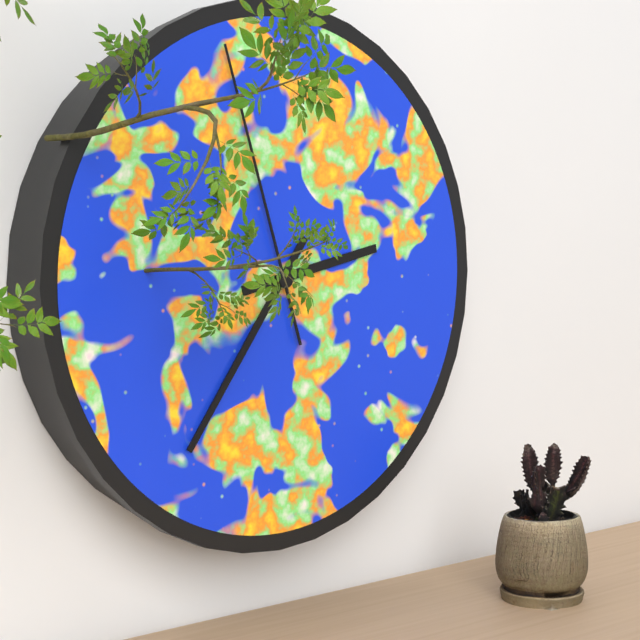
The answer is 2:36:57
